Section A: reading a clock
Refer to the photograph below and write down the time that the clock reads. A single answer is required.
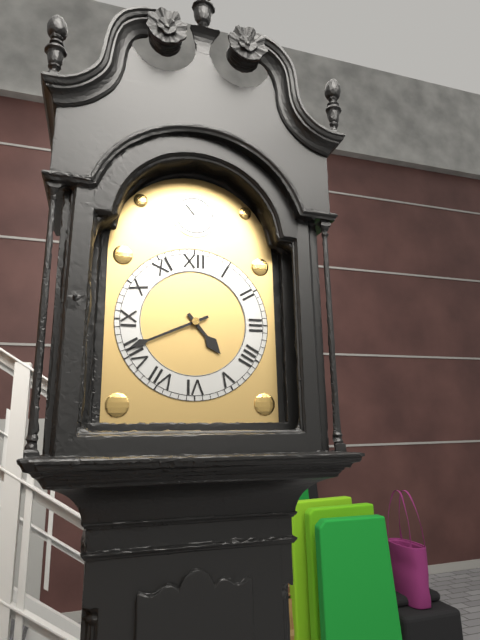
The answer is 4:41
